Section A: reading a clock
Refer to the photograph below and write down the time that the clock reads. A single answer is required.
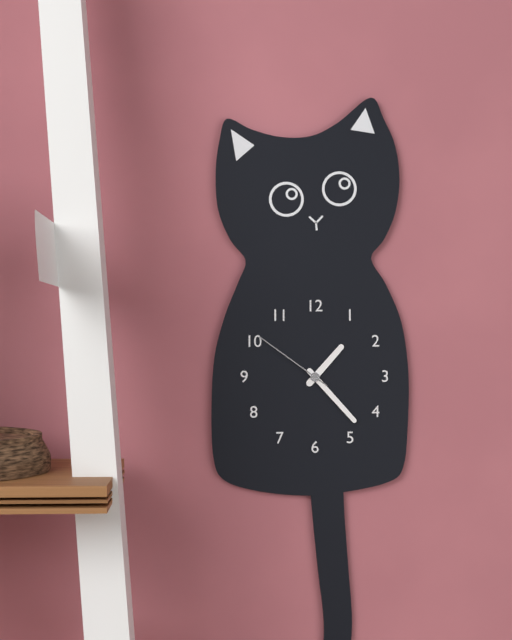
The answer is 1:23:51
